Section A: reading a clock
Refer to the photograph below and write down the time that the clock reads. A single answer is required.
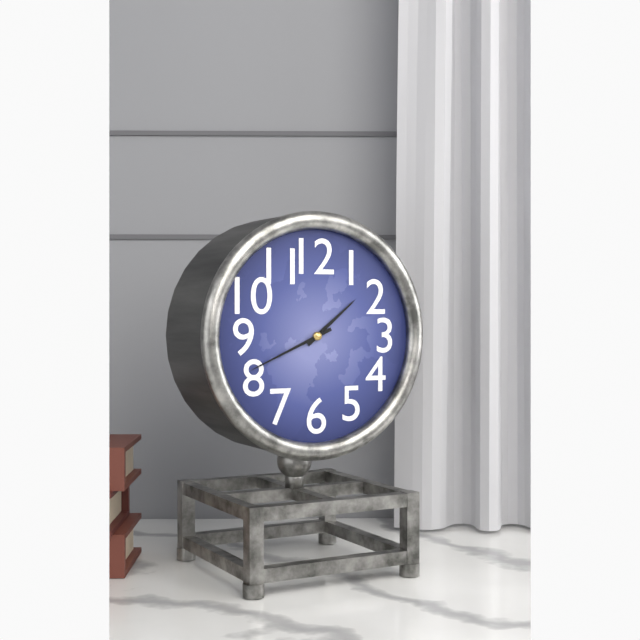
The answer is 1:41
